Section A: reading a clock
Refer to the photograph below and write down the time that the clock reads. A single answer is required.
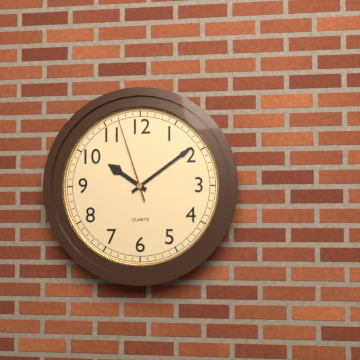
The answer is 10:09:57
